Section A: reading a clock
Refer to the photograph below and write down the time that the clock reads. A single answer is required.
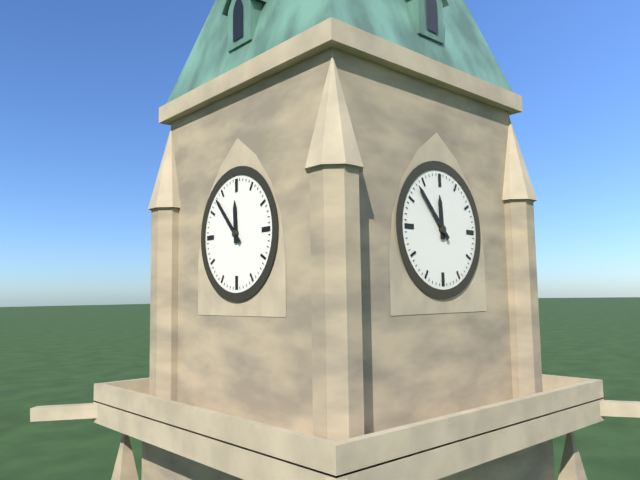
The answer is 11:53
